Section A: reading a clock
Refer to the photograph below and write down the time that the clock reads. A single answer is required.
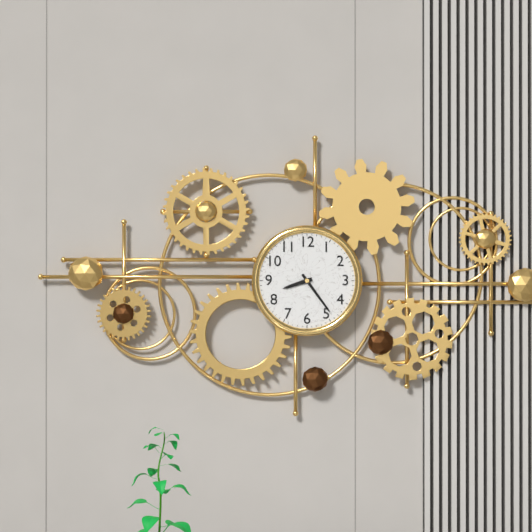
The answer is 8:24
